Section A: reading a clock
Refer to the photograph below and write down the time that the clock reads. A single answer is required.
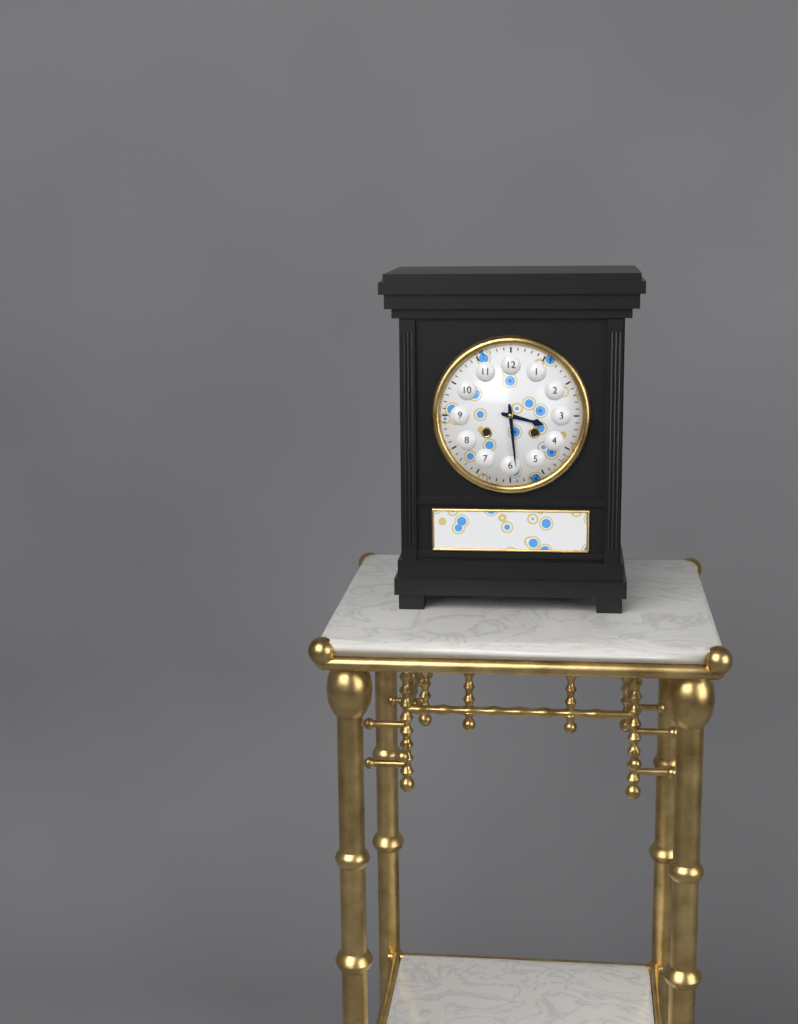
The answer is 3:29
